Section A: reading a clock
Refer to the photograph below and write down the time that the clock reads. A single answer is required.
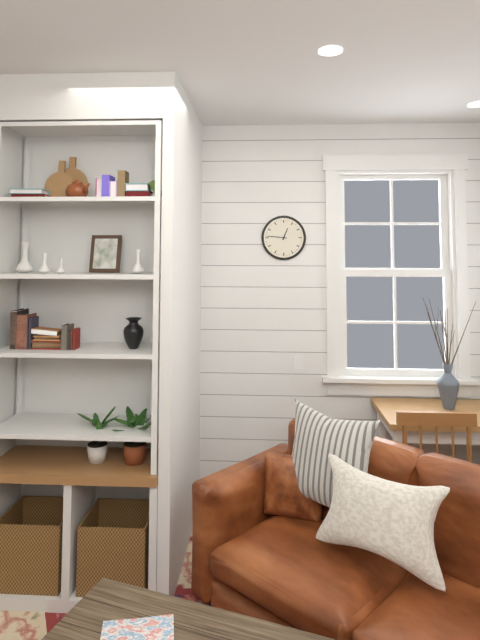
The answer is 12:46
